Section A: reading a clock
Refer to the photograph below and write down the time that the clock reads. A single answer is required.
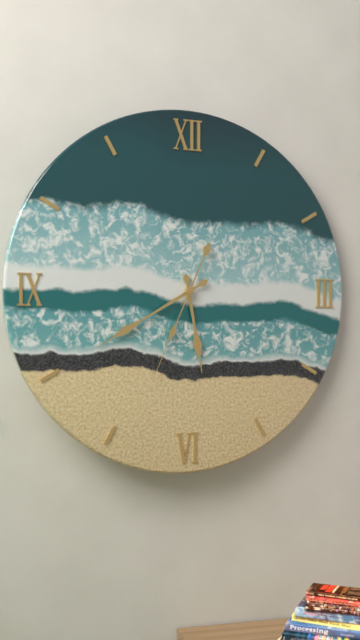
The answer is 5:40:34
